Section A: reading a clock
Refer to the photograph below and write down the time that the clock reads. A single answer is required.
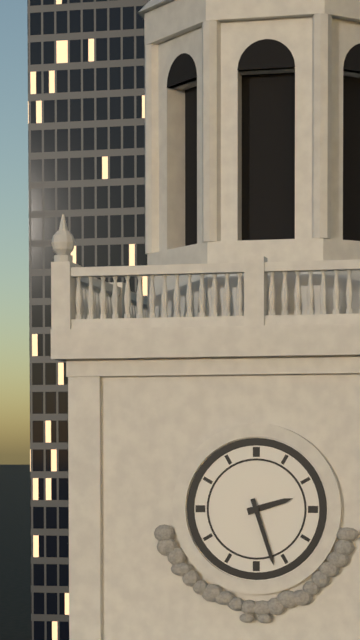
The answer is 2:27
